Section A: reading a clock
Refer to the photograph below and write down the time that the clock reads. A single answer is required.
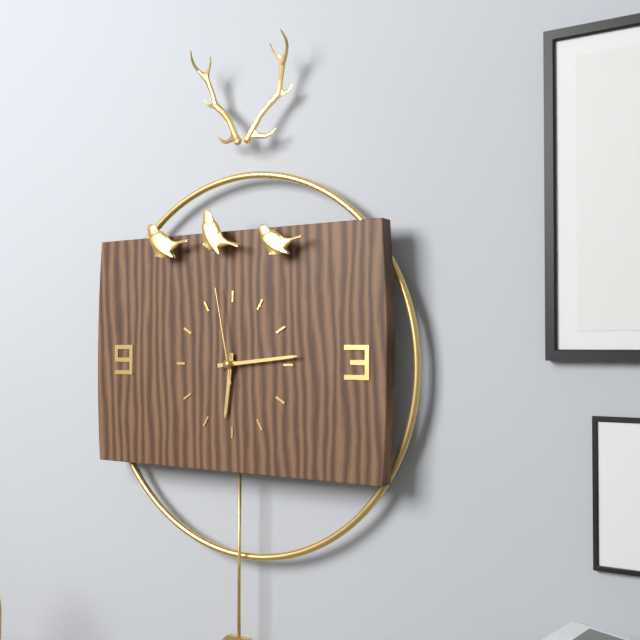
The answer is 6:14:58
